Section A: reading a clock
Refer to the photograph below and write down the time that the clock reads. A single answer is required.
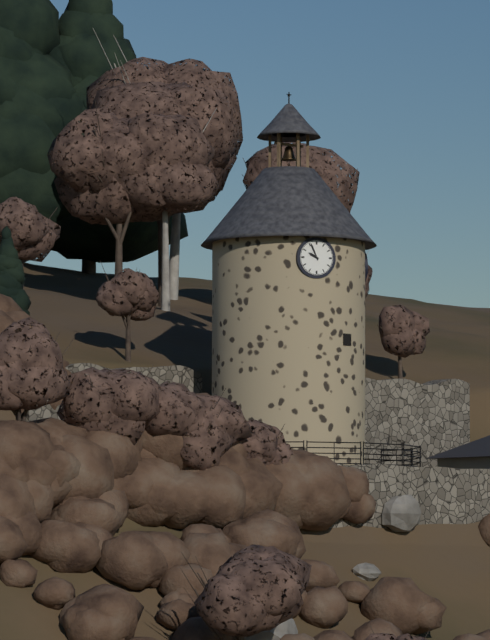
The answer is 9:56
